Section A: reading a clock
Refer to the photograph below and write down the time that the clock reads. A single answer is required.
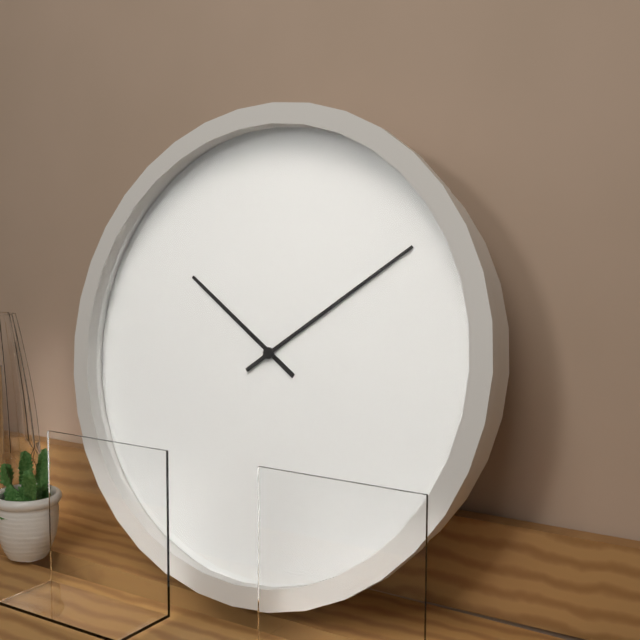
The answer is 10:09
